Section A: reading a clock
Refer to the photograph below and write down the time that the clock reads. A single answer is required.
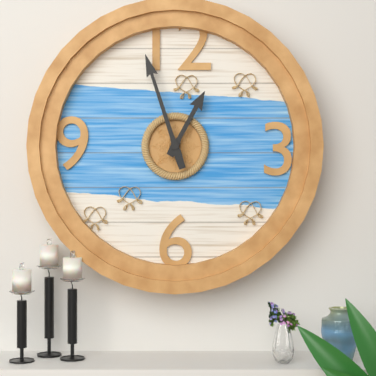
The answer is 12:57
